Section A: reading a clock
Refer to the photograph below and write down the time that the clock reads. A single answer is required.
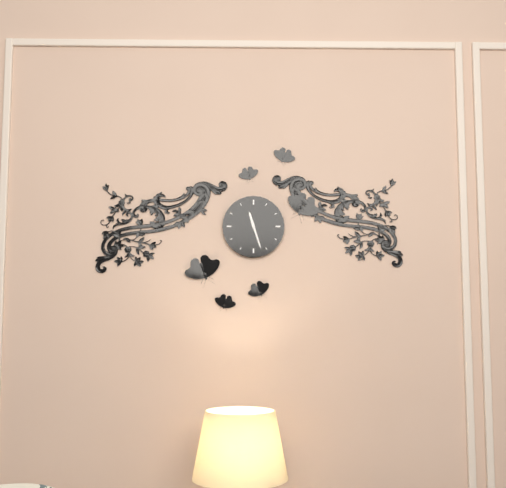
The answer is 11:27
